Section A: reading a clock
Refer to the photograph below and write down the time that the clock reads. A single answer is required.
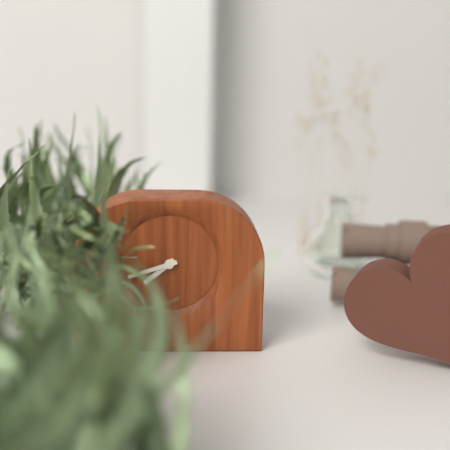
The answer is 7:42
